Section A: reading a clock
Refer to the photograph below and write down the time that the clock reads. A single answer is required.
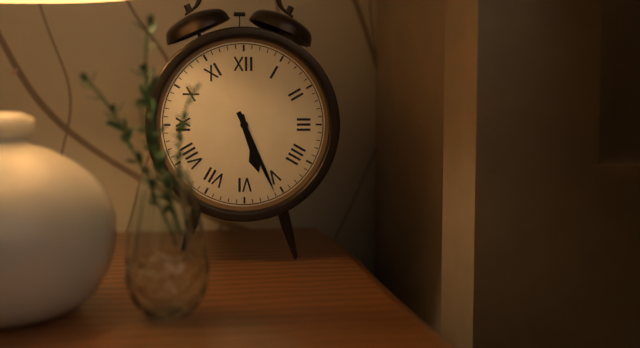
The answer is 5:26
